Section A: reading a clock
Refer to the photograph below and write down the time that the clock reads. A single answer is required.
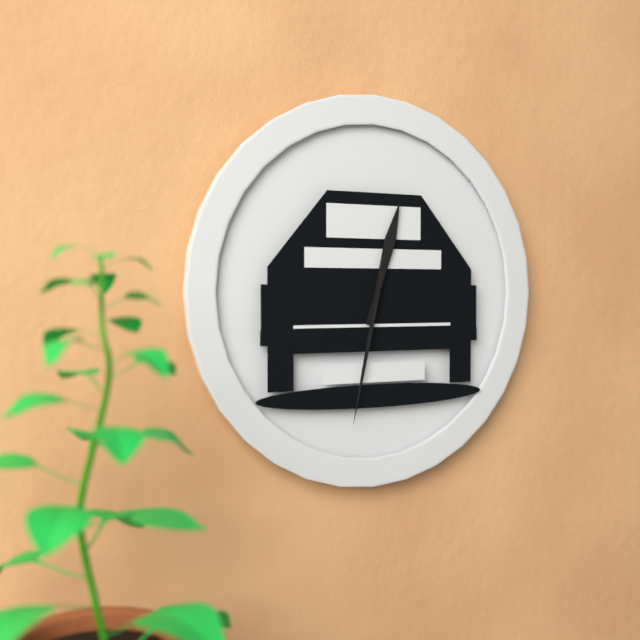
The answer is 12:32
